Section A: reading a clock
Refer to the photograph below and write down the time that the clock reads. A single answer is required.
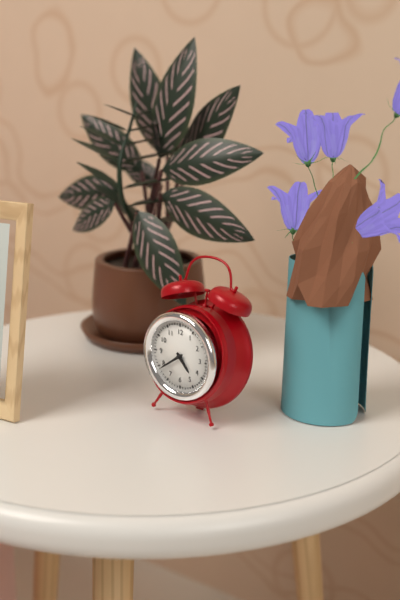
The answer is 4:39
